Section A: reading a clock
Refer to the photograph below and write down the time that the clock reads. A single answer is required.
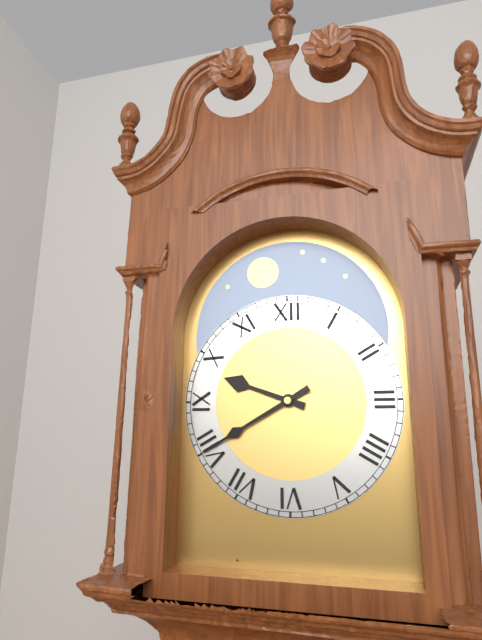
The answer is 9:40
